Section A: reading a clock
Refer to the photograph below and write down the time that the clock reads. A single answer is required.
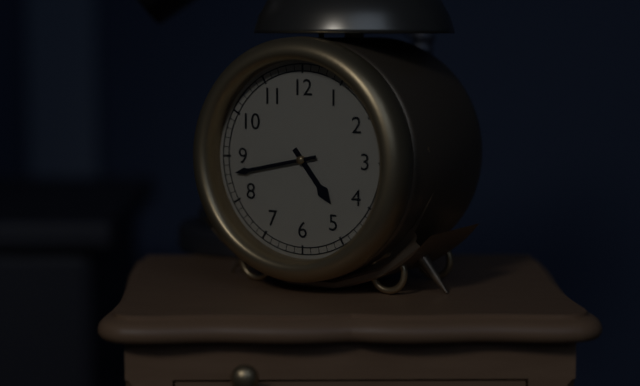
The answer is 4:43
